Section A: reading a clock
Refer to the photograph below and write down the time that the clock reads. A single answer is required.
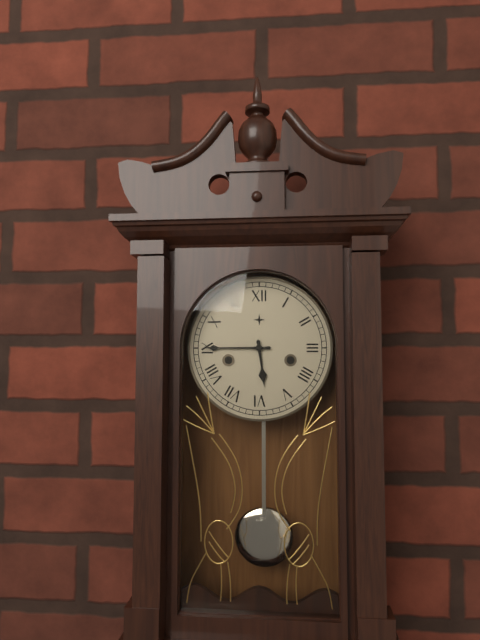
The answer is 5:45
